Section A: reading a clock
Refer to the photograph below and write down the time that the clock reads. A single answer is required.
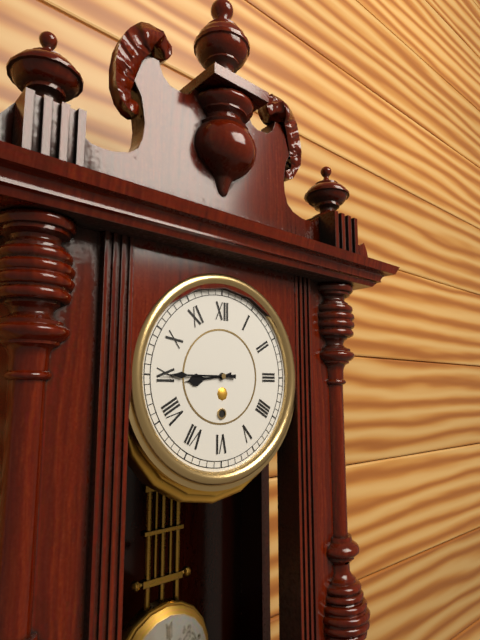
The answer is 8:45
